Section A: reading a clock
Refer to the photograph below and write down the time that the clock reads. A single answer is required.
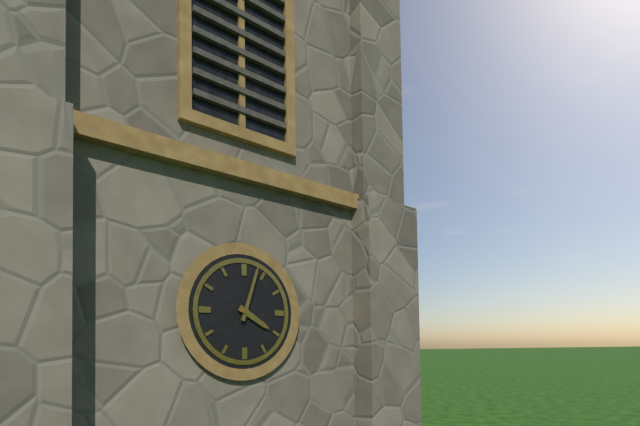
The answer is 4:03
